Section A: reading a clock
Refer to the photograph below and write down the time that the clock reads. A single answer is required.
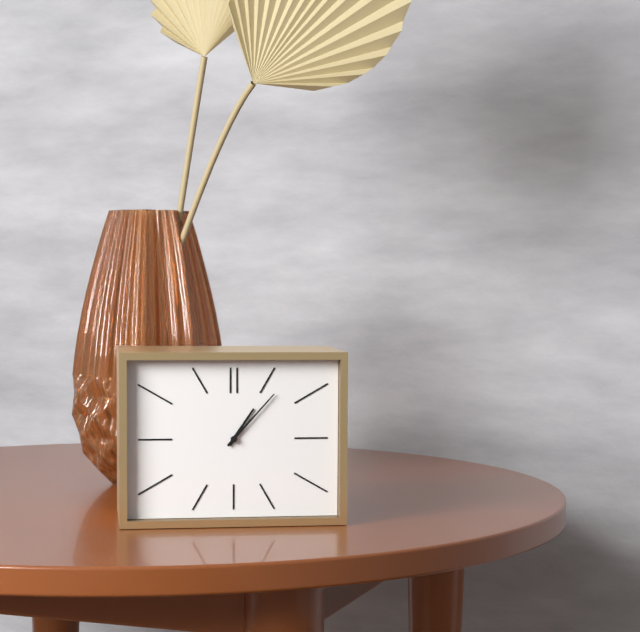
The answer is 1:07
